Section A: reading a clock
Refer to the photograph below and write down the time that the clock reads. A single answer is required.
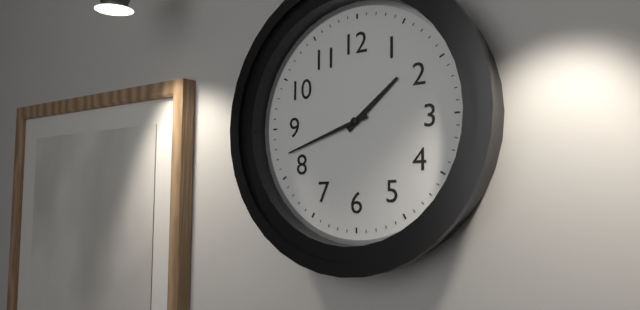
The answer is 1:42
